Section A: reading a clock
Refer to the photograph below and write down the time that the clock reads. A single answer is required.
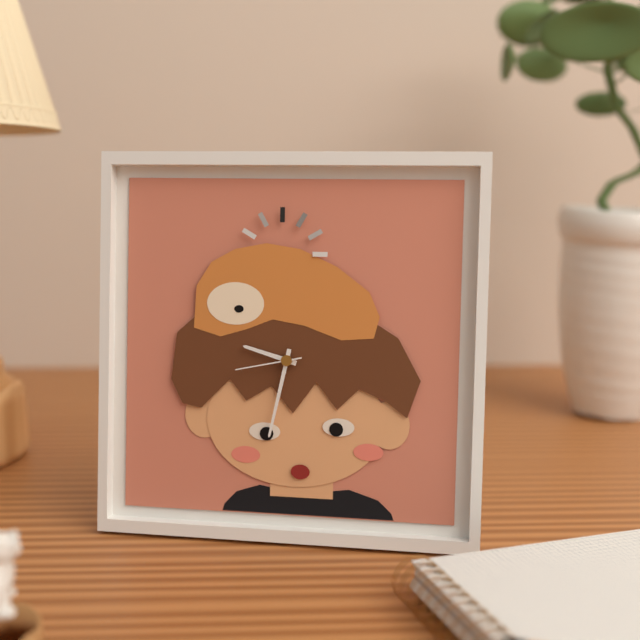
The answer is 9:32:43
